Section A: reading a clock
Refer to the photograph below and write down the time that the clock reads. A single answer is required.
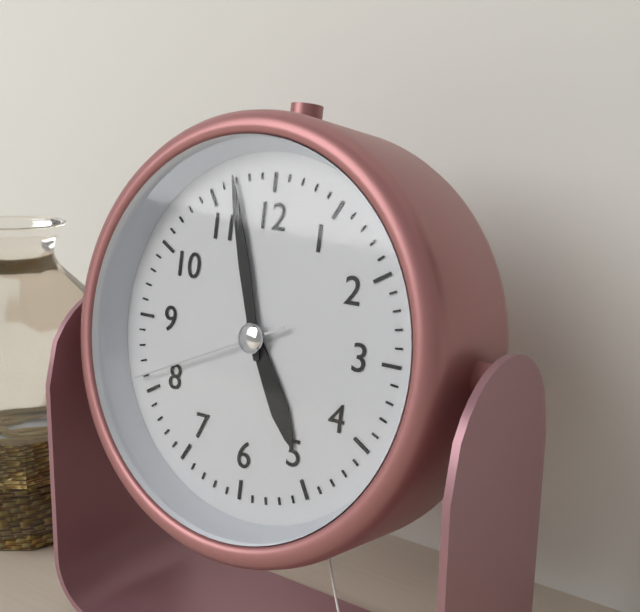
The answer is 4:57:41
